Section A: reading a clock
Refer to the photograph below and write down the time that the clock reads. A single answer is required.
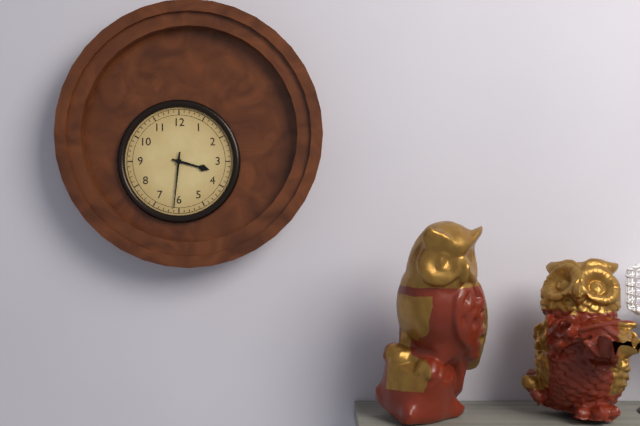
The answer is 3:31
